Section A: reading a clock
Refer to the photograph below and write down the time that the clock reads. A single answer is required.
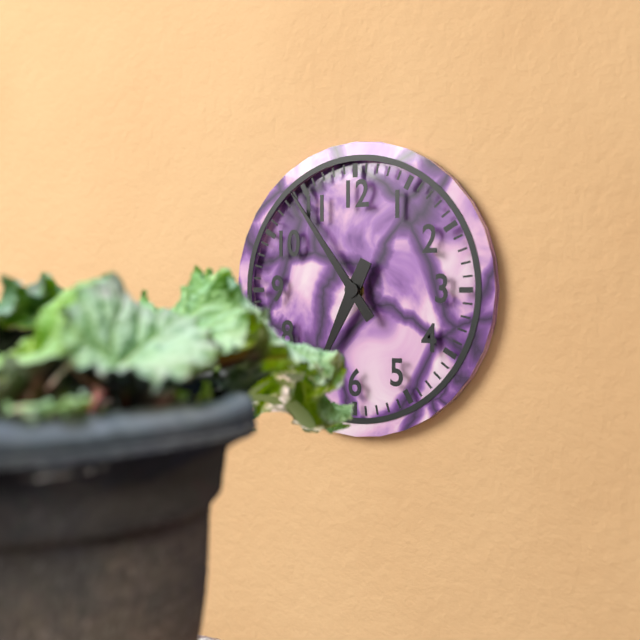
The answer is 6:54
